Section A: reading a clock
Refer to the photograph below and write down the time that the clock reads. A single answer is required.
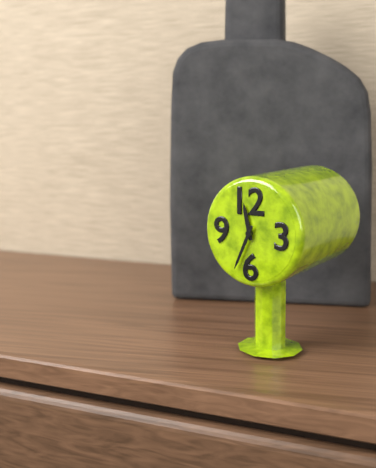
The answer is 11:34
